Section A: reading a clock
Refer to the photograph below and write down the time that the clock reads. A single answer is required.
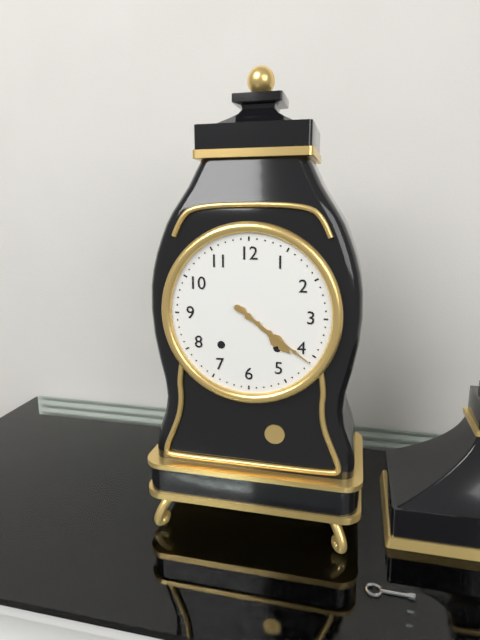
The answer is 4:21
